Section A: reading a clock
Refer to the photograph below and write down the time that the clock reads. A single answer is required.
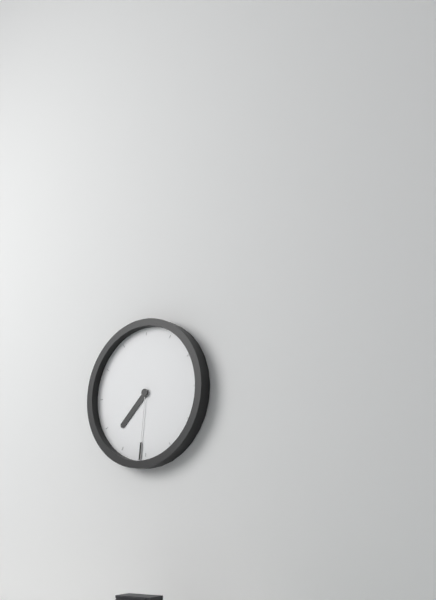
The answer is 7:31
